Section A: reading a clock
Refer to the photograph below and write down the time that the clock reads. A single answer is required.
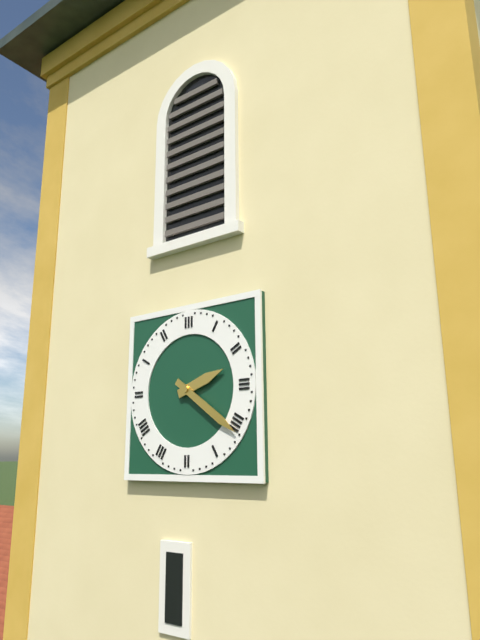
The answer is 2:21
